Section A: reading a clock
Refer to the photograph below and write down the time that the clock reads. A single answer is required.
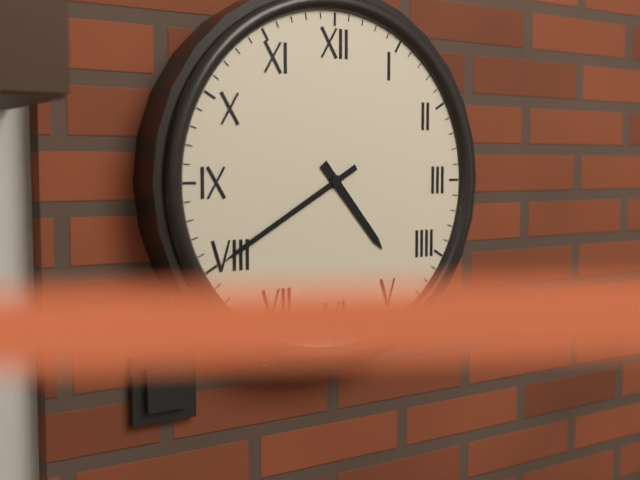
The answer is 4:40
